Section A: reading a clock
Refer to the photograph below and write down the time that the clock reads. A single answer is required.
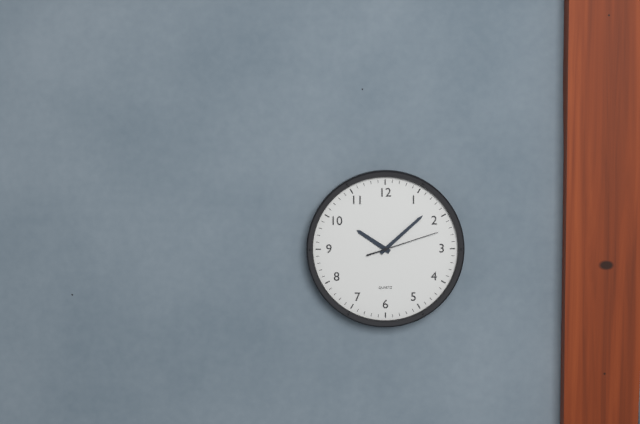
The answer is 10:08:12
